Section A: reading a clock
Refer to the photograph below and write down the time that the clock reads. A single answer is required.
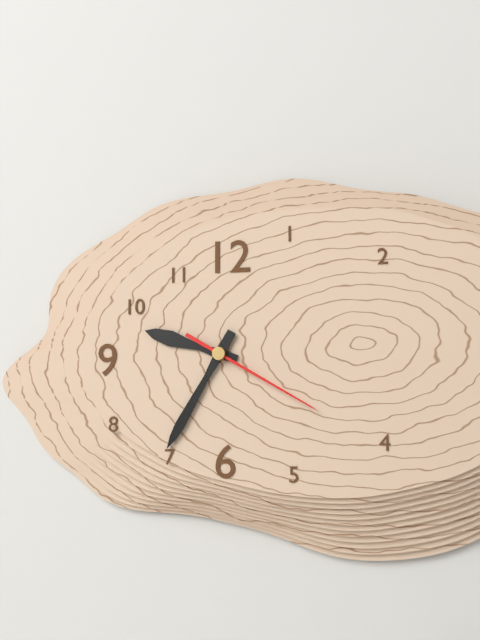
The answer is 9:35:20
